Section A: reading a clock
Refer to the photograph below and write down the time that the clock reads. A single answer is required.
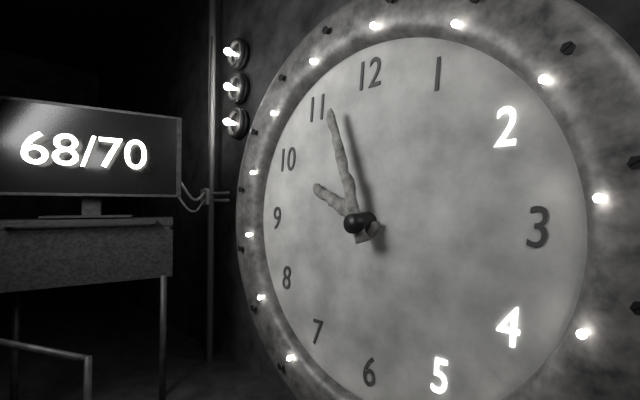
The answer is 9:57
